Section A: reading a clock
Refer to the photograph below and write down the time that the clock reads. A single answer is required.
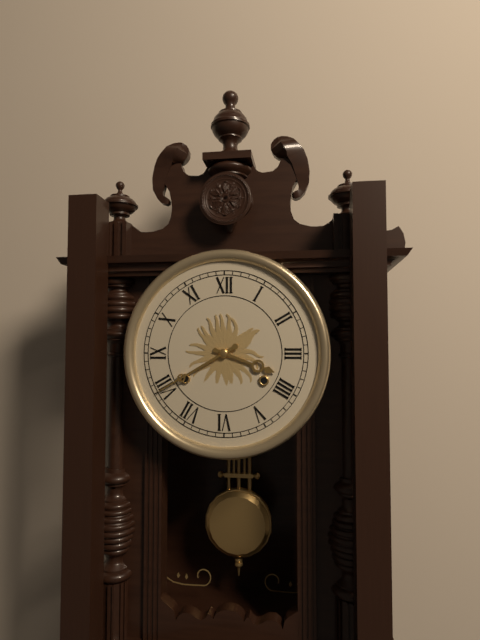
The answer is 3:40
